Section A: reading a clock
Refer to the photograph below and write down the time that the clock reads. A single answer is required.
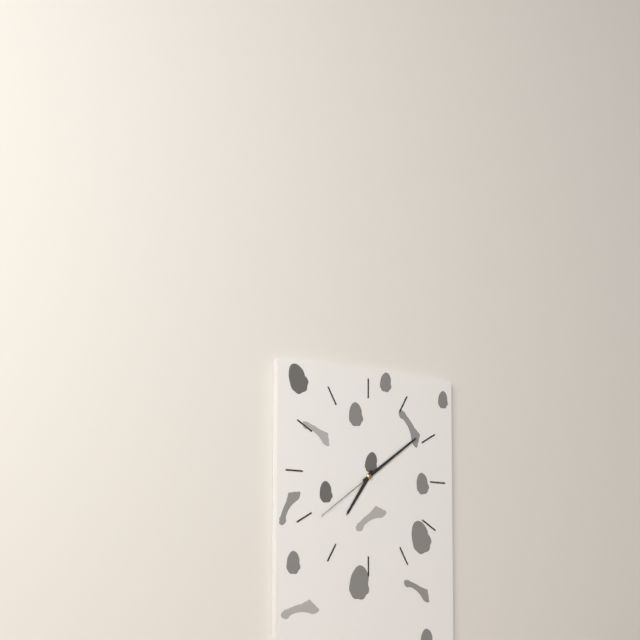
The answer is 7:09:39
